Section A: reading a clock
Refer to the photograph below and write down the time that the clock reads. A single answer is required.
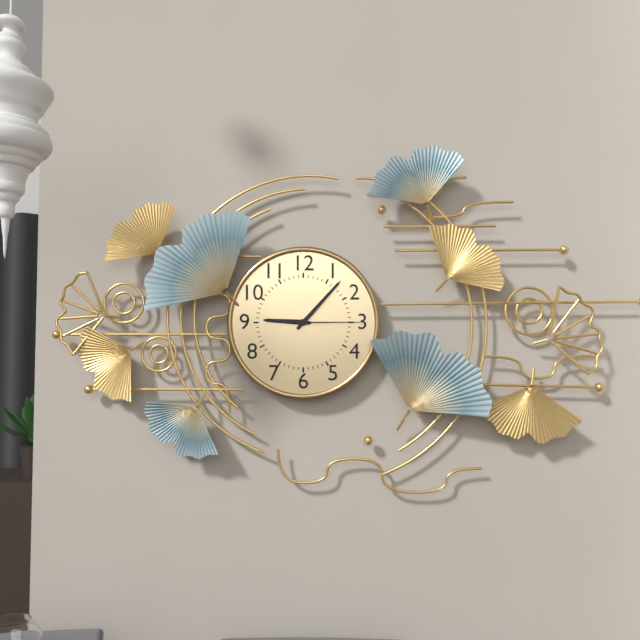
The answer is 9:07:15
